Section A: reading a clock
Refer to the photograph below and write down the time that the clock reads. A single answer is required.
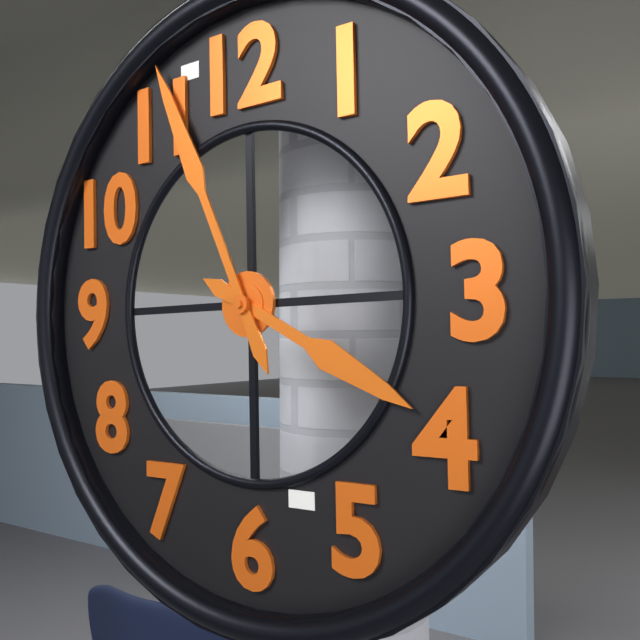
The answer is 3:56
